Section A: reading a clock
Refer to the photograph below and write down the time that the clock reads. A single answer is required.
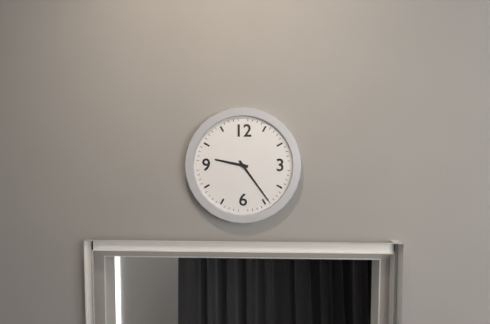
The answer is 9:24
